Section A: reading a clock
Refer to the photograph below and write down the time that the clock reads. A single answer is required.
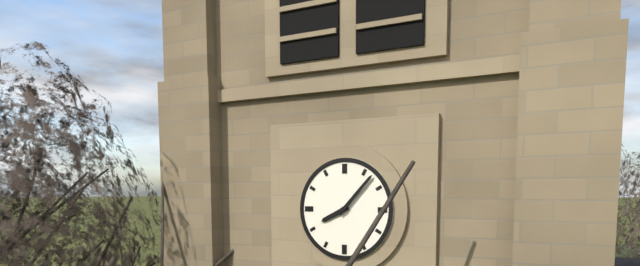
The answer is 8:07
